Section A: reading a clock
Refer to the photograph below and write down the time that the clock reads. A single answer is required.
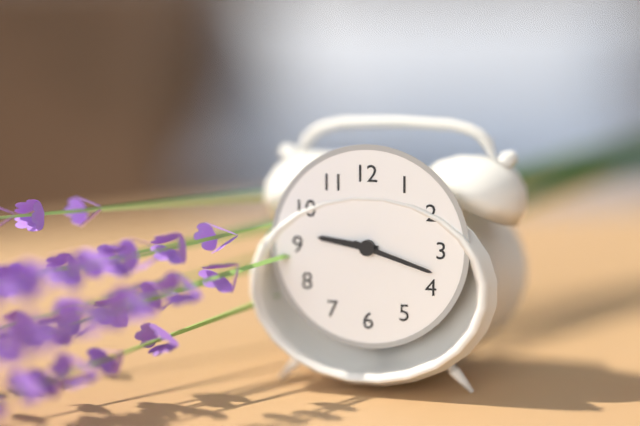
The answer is 9:18
